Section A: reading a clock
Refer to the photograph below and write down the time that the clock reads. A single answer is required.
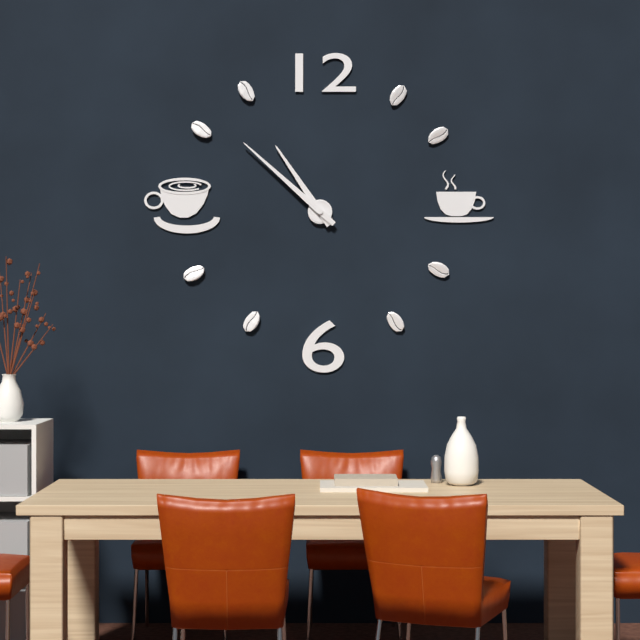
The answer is 10:52
